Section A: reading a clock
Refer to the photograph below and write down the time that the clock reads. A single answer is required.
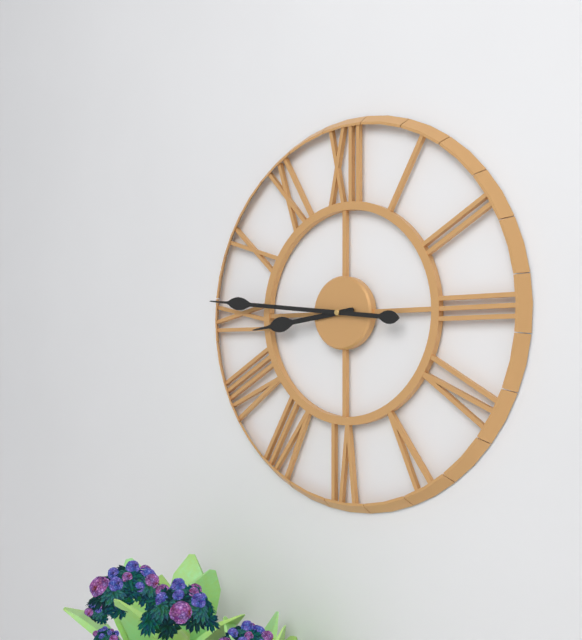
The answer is 8:46
